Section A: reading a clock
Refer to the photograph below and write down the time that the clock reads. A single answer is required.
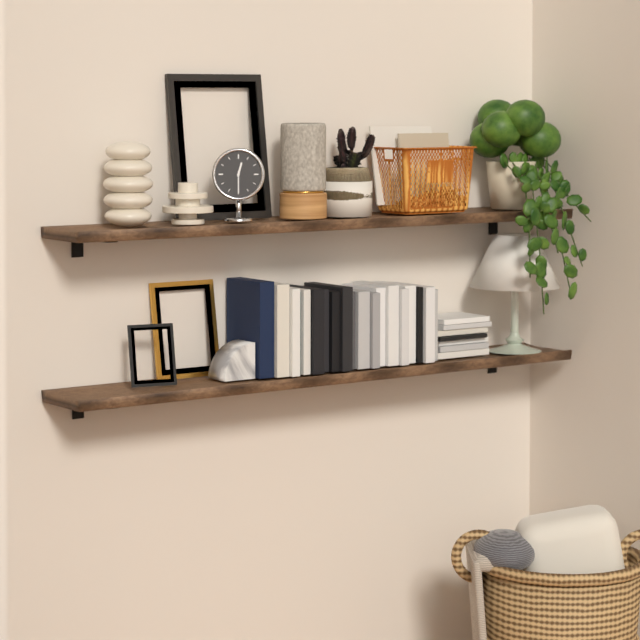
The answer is 12:30
